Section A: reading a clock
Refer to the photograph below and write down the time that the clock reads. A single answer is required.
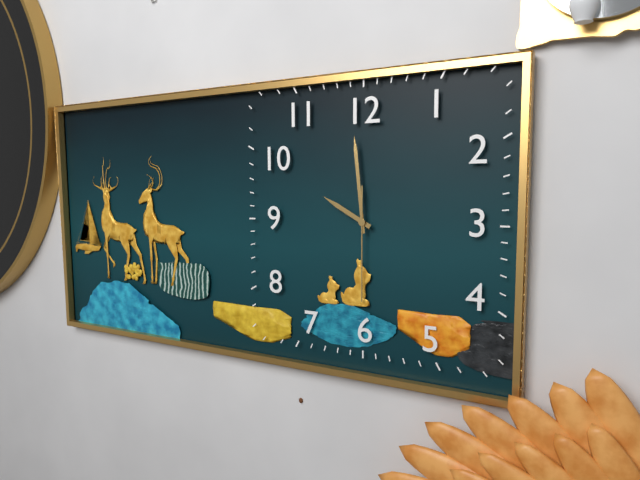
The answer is 9:59:30
